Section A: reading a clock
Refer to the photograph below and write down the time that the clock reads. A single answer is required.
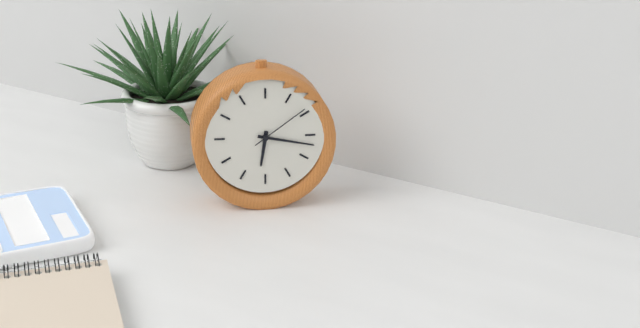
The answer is 6:17:09
